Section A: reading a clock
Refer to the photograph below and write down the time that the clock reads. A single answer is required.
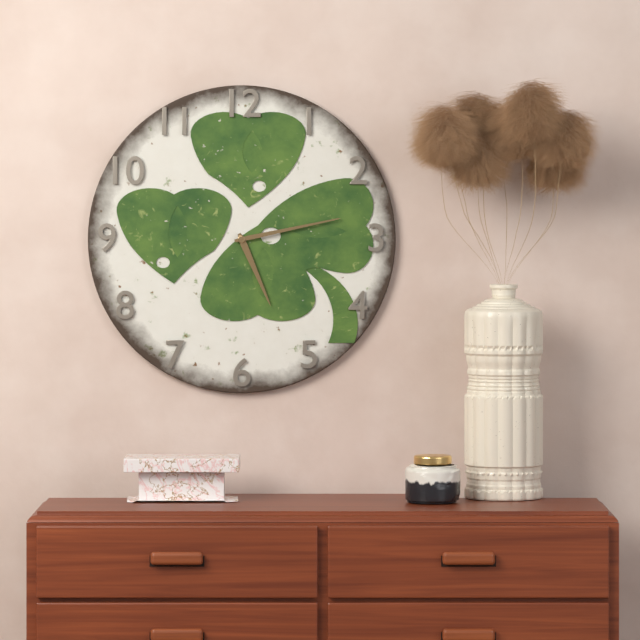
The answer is 5:13
